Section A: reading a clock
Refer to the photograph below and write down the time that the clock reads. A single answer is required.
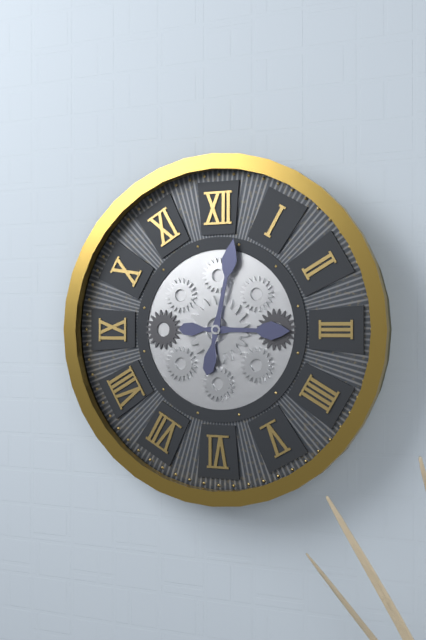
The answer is 3:02
